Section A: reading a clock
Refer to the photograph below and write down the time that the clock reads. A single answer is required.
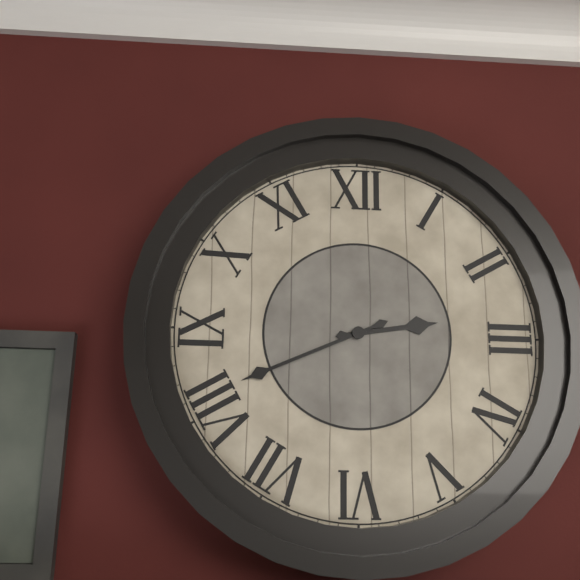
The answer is 2:41
